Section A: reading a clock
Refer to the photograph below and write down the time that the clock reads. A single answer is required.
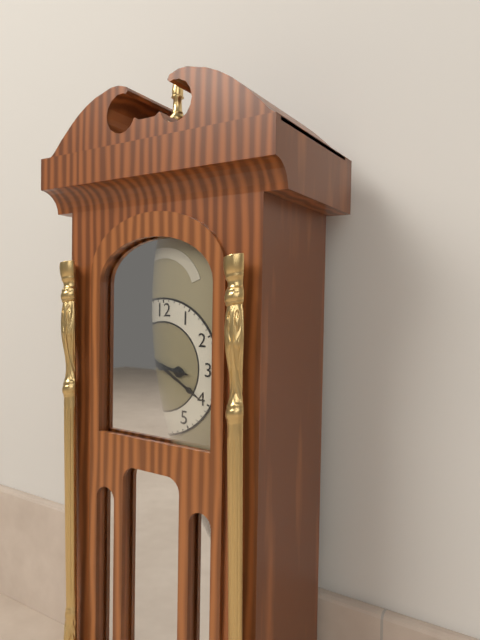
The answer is 3:20
